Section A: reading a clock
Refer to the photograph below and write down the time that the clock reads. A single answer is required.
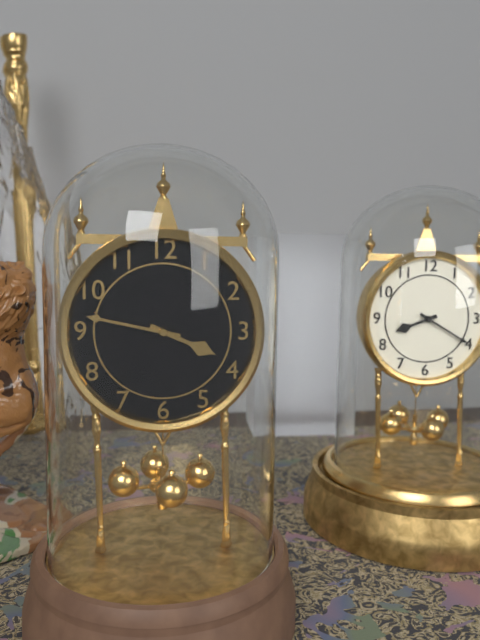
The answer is 3:47
